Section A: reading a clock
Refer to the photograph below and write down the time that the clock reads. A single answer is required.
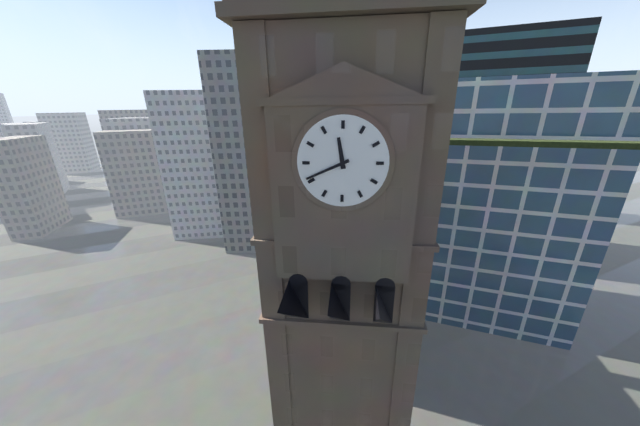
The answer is 11:41
